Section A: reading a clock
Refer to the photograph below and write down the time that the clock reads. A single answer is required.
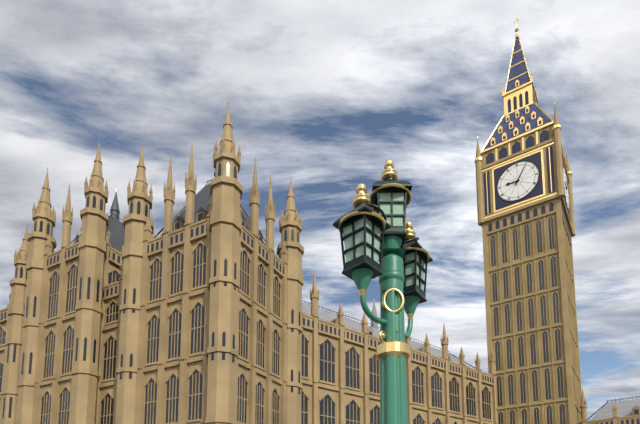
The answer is 9:05
